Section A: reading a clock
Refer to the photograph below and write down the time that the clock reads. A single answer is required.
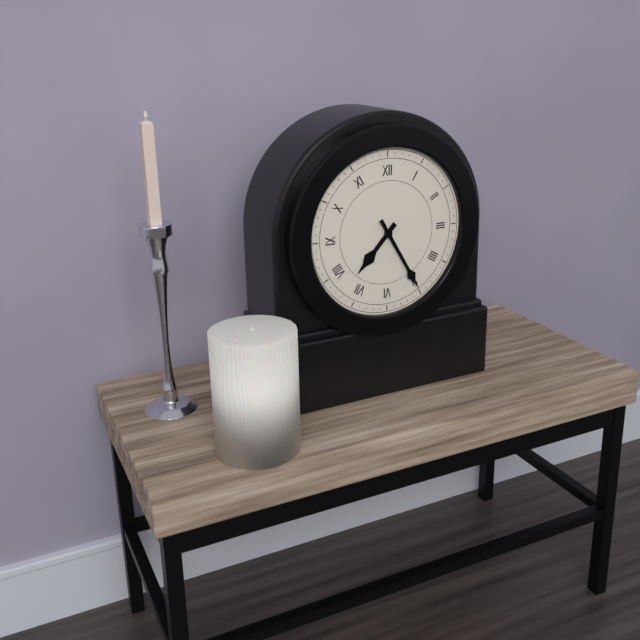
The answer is 7:25
